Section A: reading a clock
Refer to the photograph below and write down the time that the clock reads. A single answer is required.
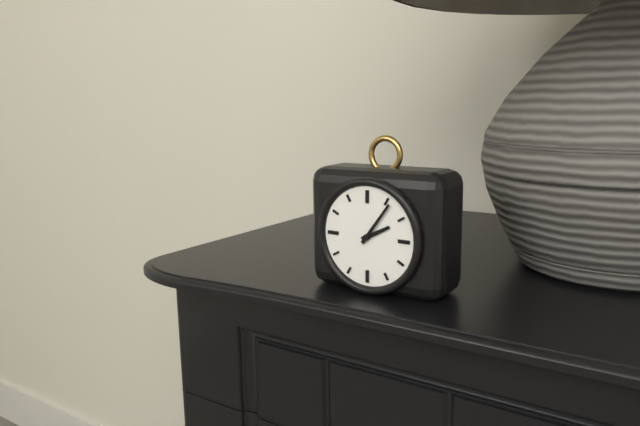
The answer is 2:06
